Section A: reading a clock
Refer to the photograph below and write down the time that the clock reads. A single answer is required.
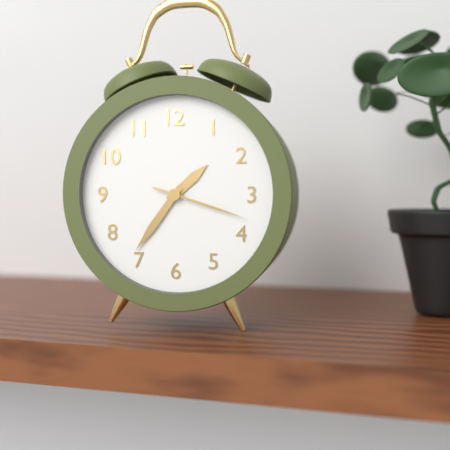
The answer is 1:36:18
